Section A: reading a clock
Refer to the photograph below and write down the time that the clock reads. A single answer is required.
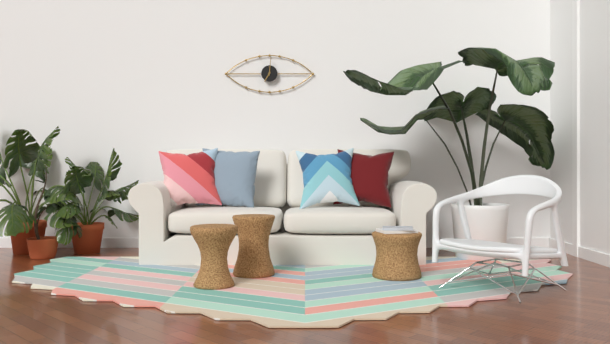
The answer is 7:01
